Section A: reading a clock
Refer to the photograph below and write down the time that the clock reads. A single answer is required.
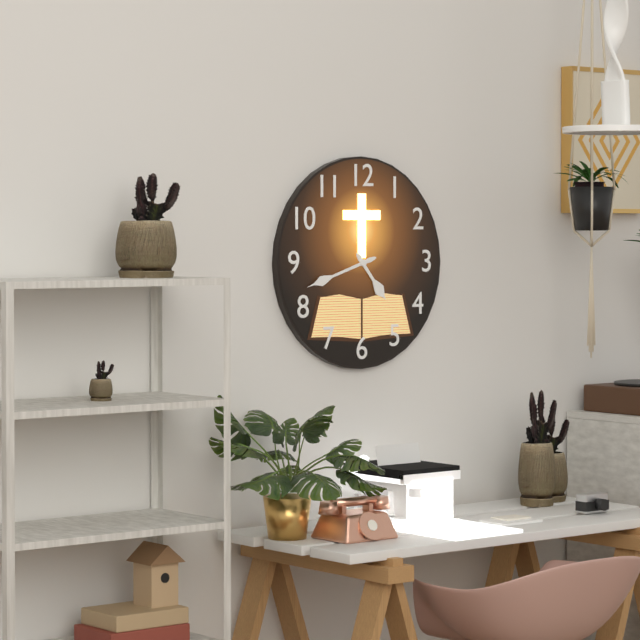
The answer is 4:42
